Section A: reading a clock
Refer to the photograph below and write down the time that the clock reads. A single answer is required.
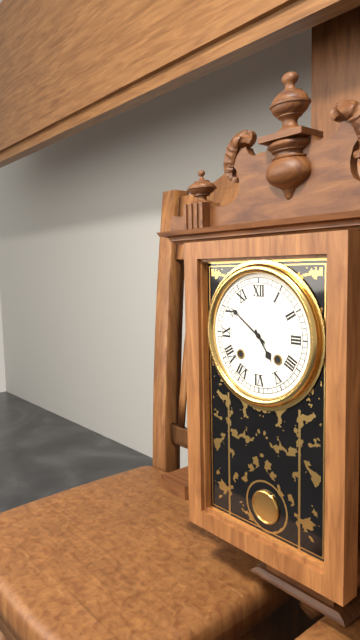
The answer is 4:51
